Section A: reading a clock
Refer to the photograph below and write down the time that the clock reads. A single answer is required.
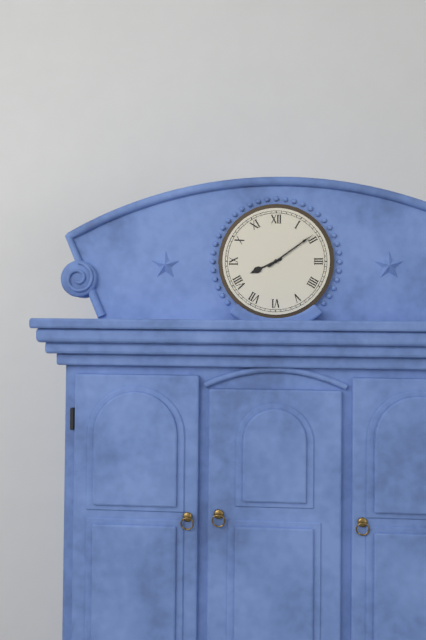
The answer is 8:09
